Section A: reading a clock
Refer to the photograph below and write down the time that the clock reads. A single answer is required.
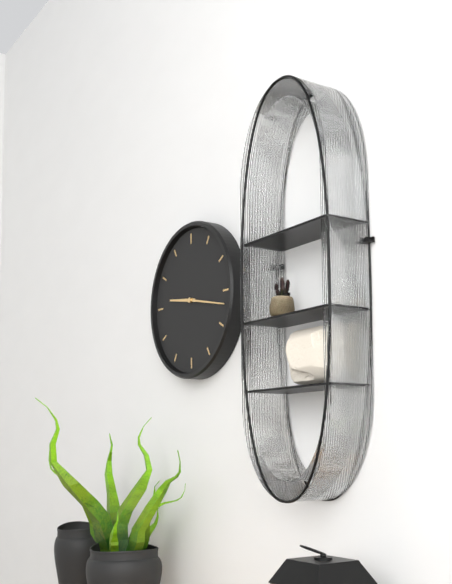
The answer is 9:17
